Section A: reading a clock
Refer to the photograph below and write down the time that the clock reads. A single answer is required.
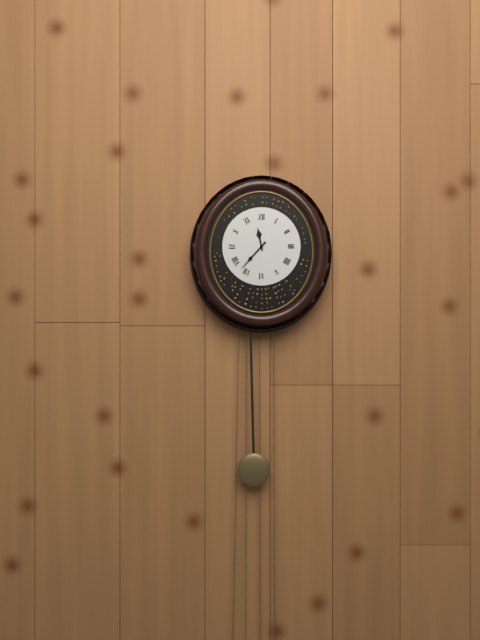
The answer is 11:37
